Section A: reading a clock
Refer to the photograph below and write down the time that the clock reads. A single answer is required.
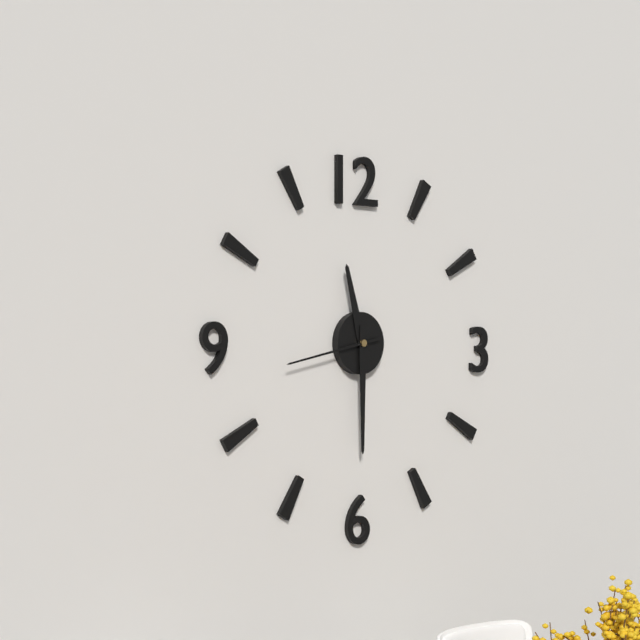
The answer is 11:30:43
